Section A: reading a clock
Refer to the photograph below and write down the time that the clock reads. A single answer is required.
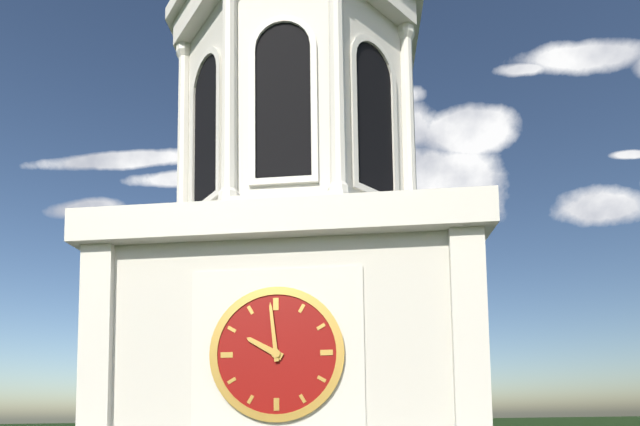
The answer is 9:59
